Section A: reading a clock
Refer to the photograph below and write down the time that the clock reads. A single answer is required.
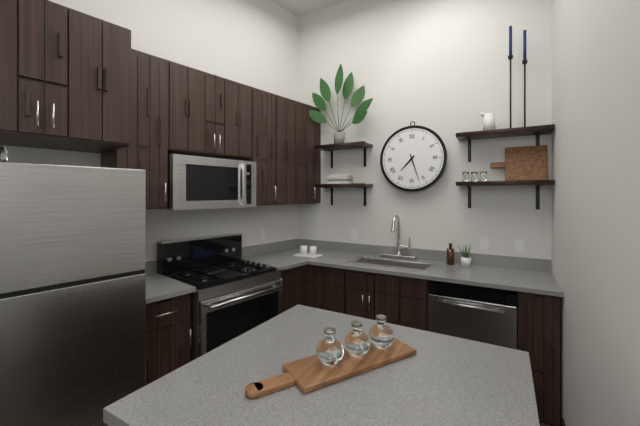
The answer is 7:27
